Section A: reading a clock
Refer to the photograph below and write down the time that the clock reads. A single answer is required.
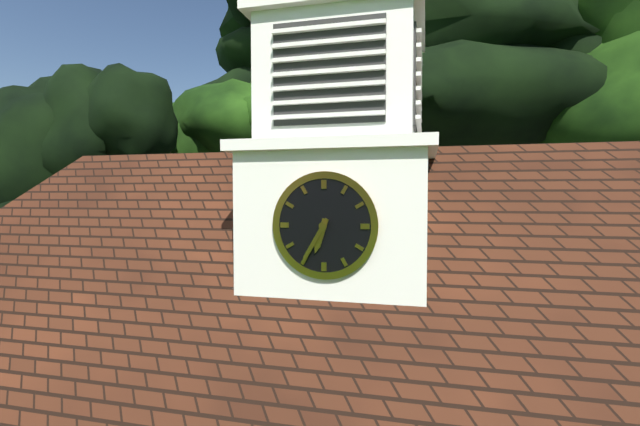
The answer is 6:35
